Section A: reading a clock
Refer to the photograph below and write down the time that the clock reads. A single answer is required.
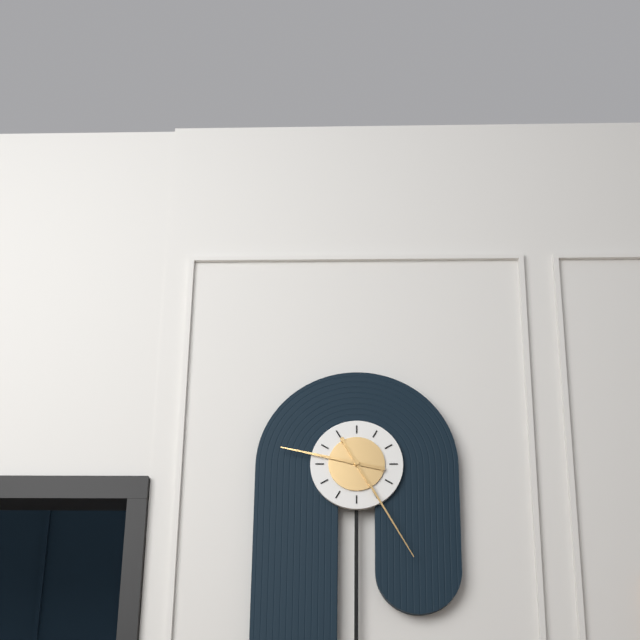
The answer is 9:25
